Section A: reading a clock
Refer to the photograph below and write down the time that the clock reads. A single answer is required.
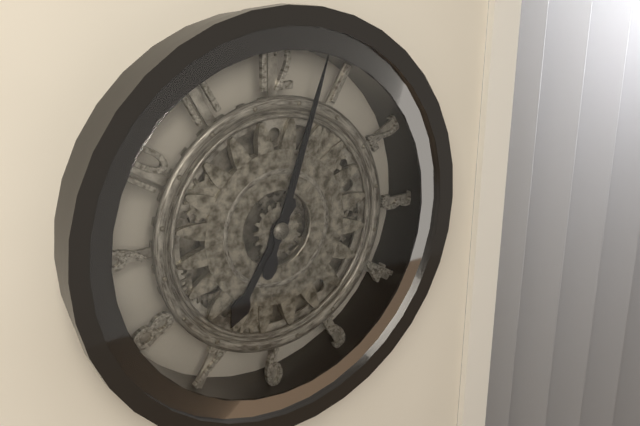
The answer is 7:03
